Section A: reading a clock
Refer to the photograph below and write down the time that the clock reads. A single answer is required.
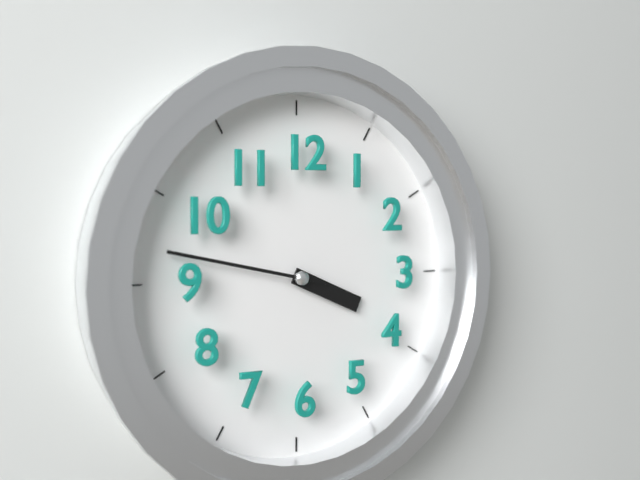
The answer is 3:47
